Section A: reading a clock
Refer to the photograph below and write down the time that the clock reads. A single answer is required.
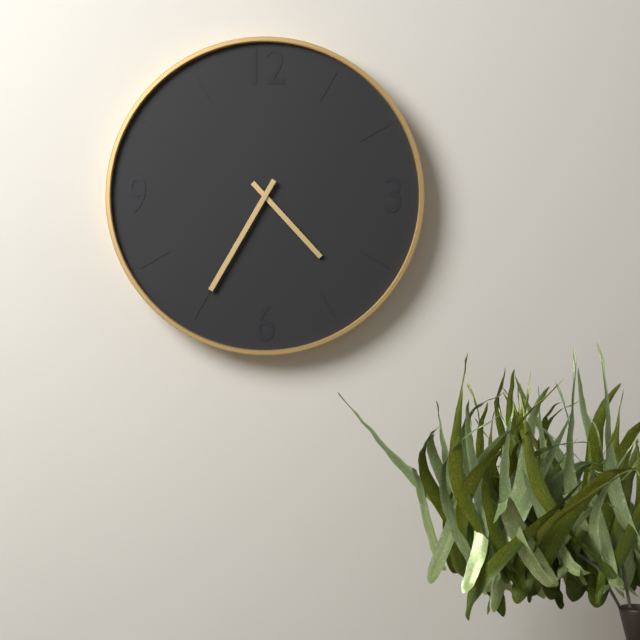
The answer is 4:35
